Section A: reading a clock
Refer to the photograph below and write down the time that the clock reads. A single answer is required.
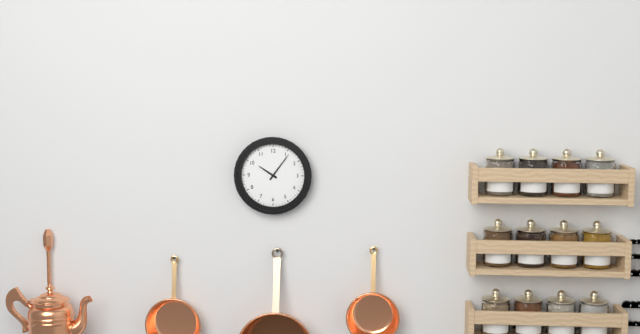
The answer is 10:06
